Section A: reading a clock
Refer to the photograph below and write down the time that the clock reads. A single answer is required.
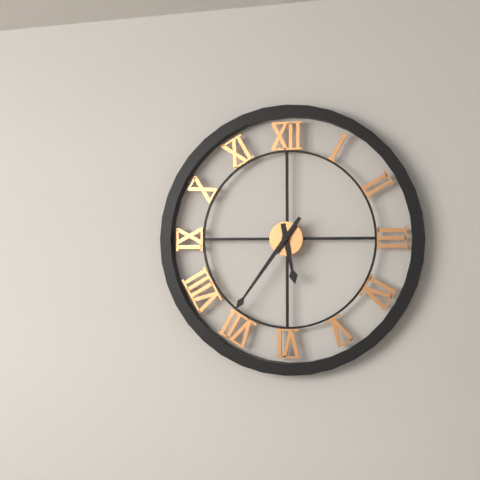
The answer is 5:36
